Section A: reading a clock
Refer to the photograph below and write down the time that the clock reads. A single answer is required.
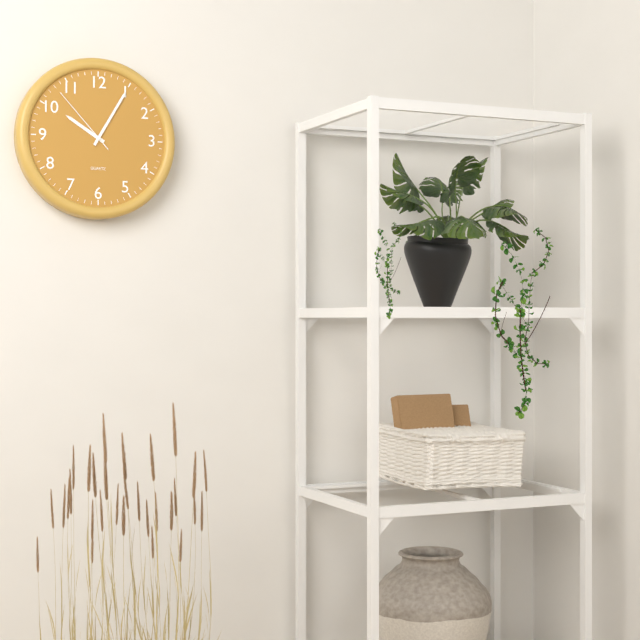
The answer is 10:05:53
